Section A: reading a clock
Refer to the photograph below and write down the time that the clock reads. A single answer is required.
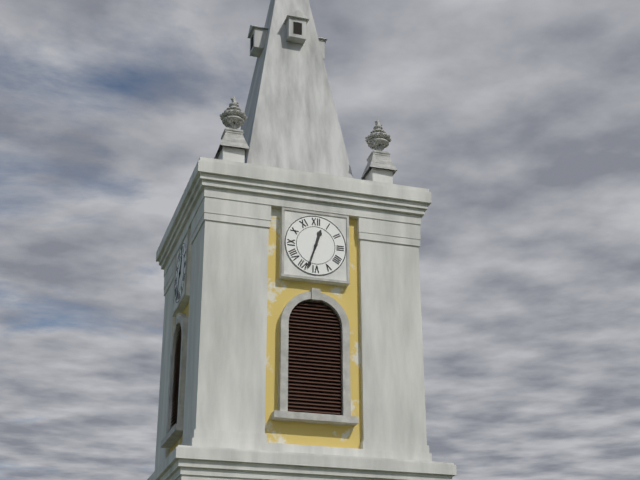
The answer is 12:33
